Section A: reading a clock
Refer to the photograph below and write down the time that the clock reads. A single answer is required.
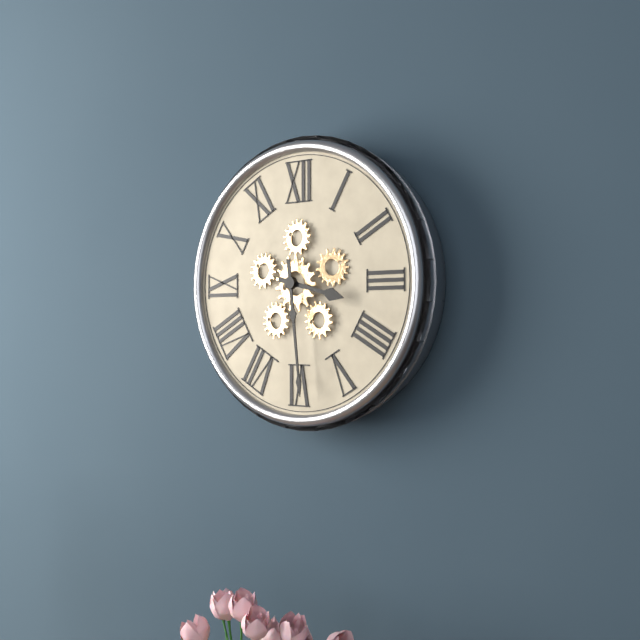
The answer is 3:29
